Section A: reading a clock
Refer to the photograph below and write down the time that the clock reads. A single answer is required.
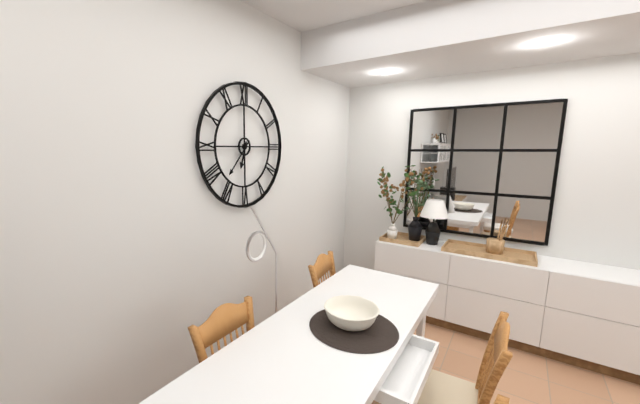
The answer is 6:37
